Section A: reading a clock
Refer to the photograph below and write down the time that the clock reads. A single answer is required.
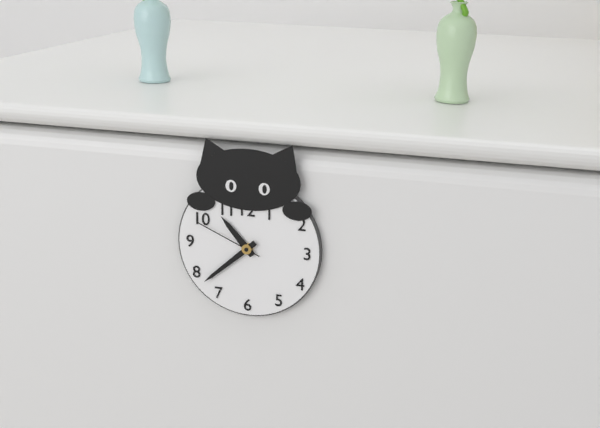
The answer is 10:38:49
